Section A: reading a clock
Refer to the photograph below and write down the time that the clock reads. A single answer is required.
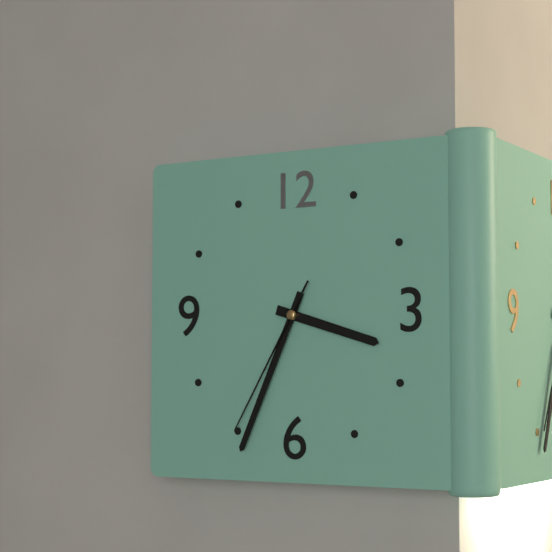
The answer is 3:34:35
